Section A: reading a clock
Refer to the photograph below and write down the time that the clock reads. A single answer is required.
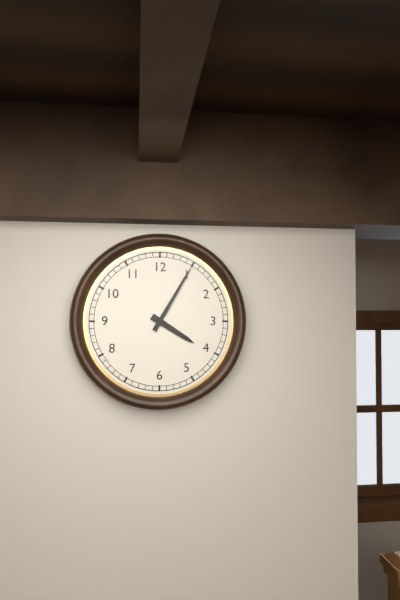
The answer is 4:05
